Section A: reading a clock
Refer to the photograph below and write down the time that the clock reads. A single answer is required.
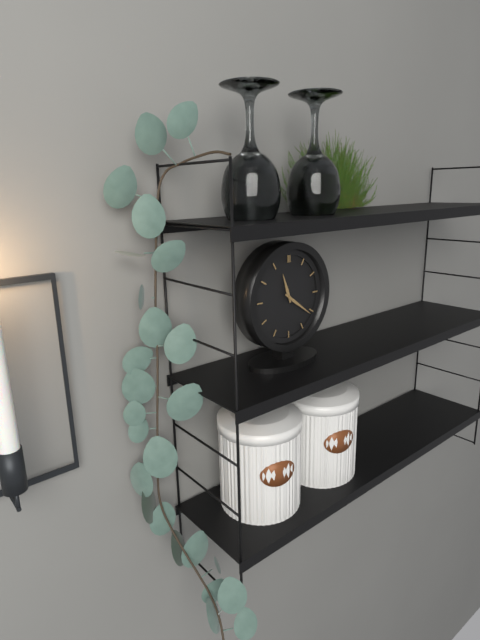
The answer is 11:21
